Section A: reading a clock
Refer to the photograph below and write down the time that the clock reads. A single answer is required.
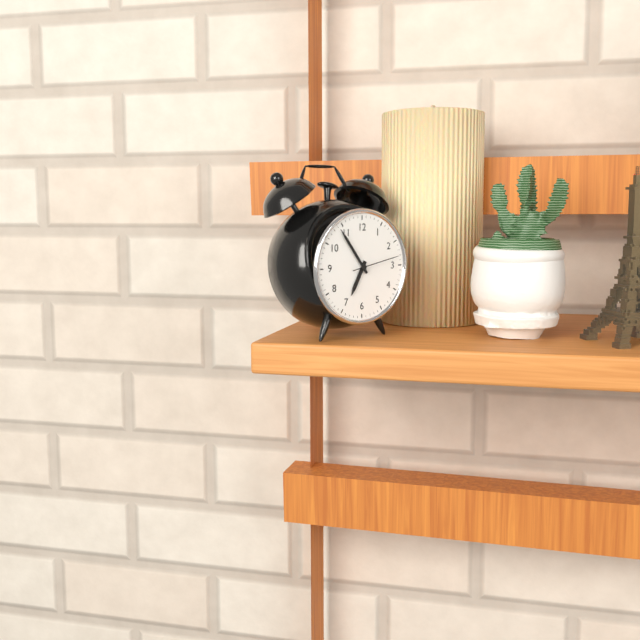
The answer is 6:54
